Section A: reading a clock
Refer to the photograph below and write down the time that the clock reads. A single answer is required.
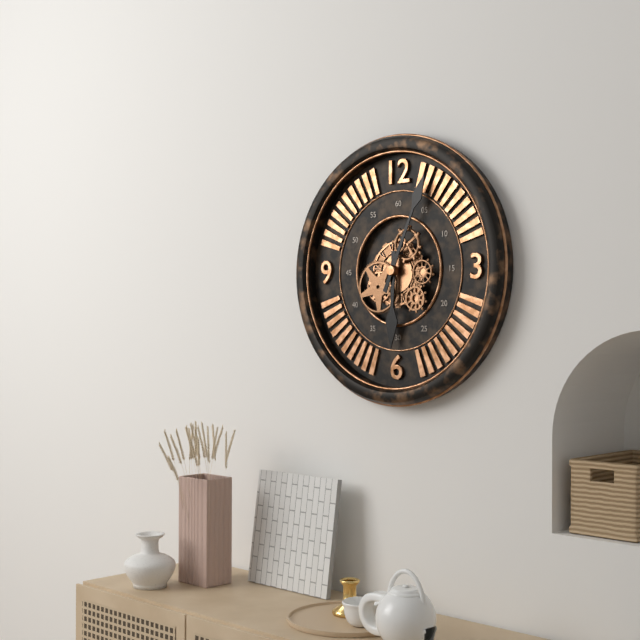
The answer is 6:04
